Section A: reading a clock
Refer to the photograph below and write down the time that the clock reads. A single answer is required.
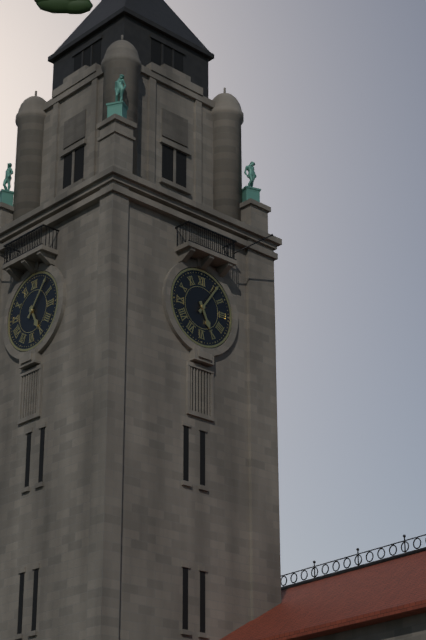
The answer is 5:06
